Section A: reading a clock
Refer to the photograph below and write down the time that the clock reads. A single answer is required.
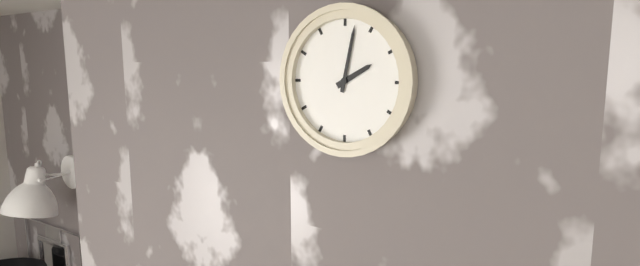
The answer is 2:02
